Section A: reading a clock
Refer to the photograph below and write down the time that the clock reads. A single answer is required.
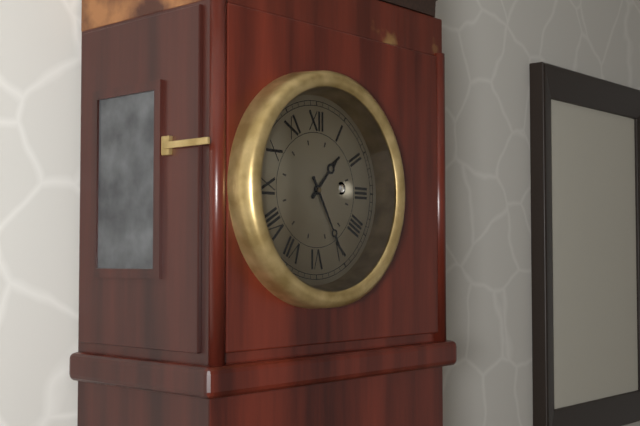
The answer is 1:25
